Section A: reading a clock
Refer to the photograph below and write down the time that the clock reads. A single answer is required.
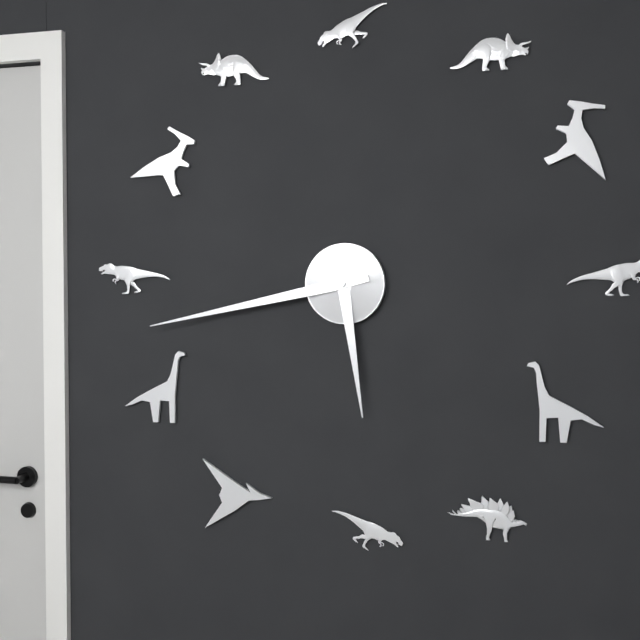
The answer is 5:43
